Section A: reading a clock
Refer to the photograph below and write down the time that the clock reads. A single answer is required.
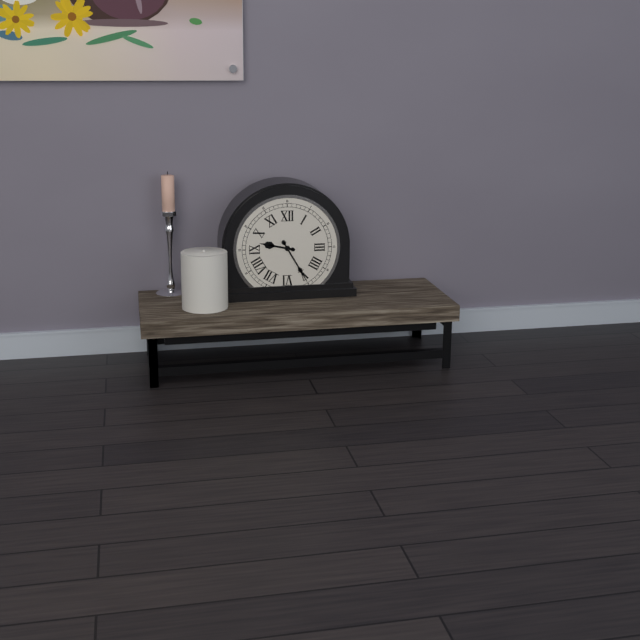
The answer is 9:25
